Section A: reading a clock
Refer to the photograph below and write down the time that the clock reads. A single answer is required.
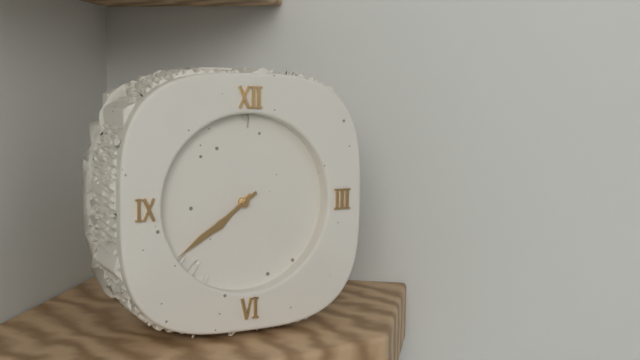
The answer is 7:39
